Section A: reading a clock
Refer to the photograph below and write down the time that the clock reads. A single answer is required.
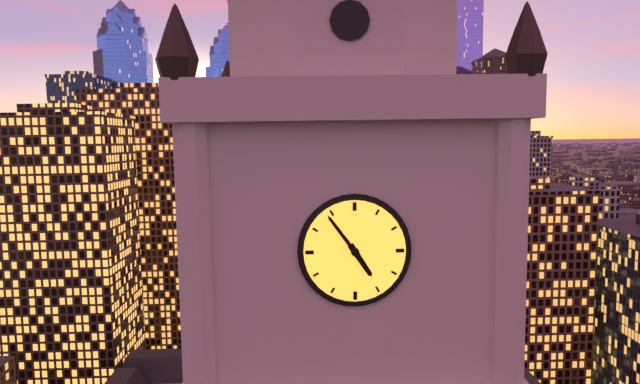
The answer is 4:54
